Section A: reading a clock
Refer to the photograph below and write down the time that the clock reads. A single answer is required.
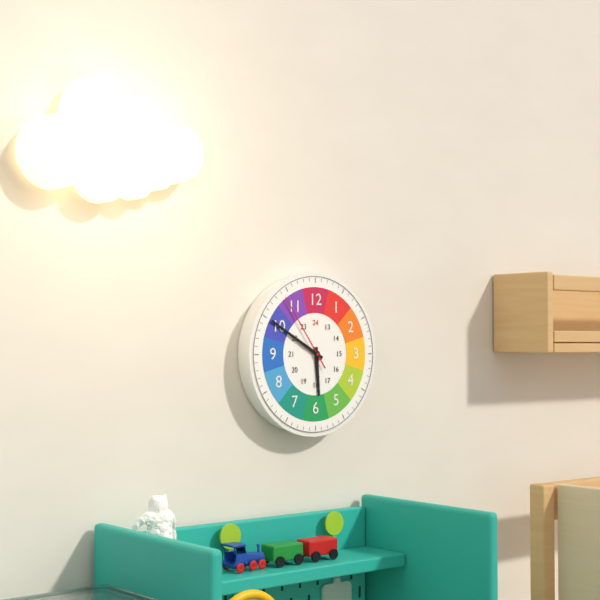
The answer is 5:50:54
